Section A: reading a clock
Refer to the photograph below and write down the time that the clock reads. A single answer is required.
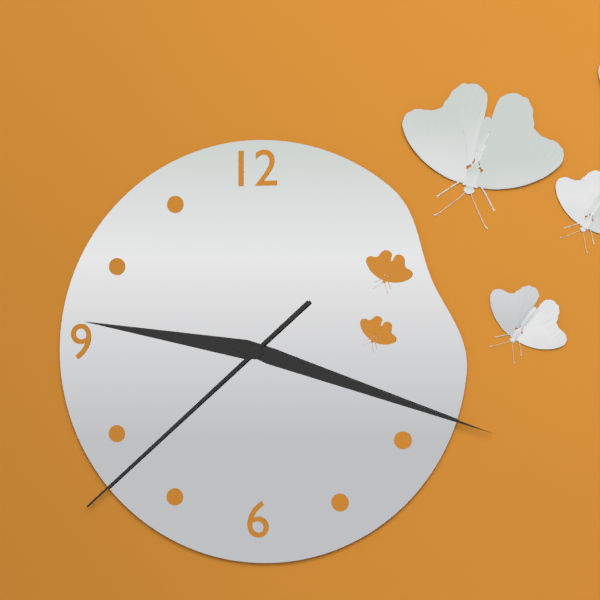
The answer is 9:18:38
